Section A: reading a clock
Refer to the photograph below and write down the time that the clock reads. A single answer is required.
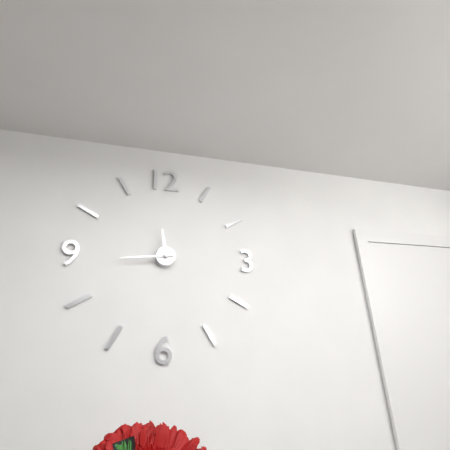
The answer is 11:44
